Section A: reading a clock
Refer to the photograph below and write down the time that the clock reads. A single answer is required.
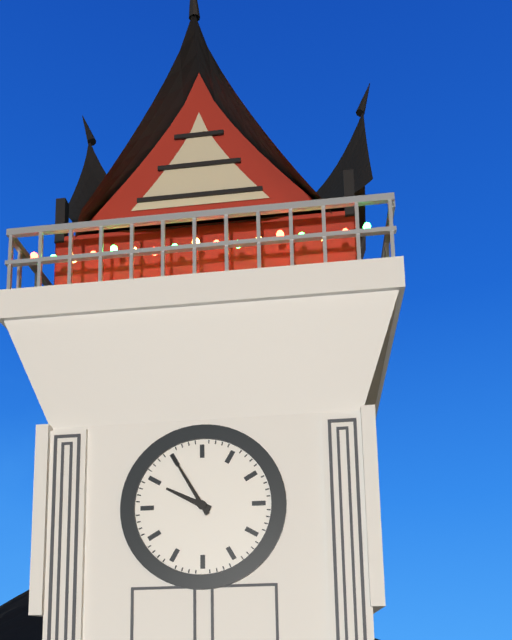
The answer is 9:55
